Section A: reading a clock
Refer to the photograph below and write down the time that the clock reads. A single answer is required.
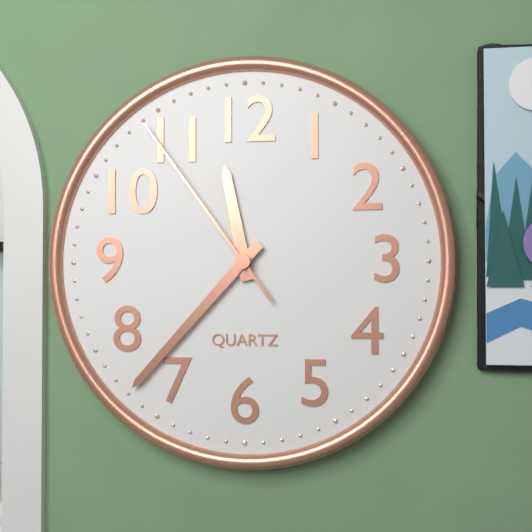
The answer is 11:37:54
